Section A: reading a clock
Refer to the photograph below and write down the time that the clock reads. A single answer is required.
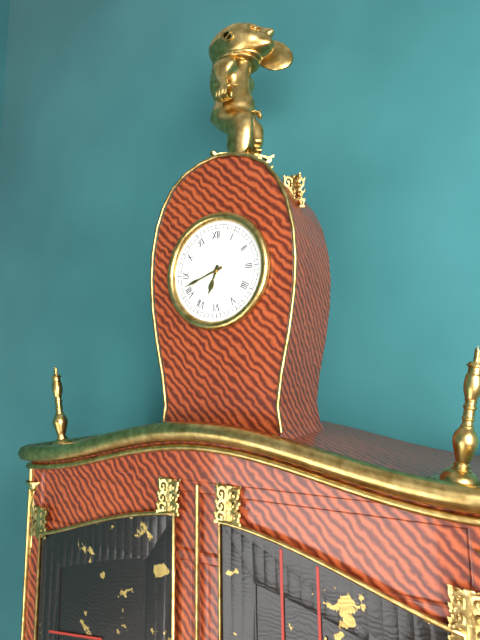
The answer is 6:42
